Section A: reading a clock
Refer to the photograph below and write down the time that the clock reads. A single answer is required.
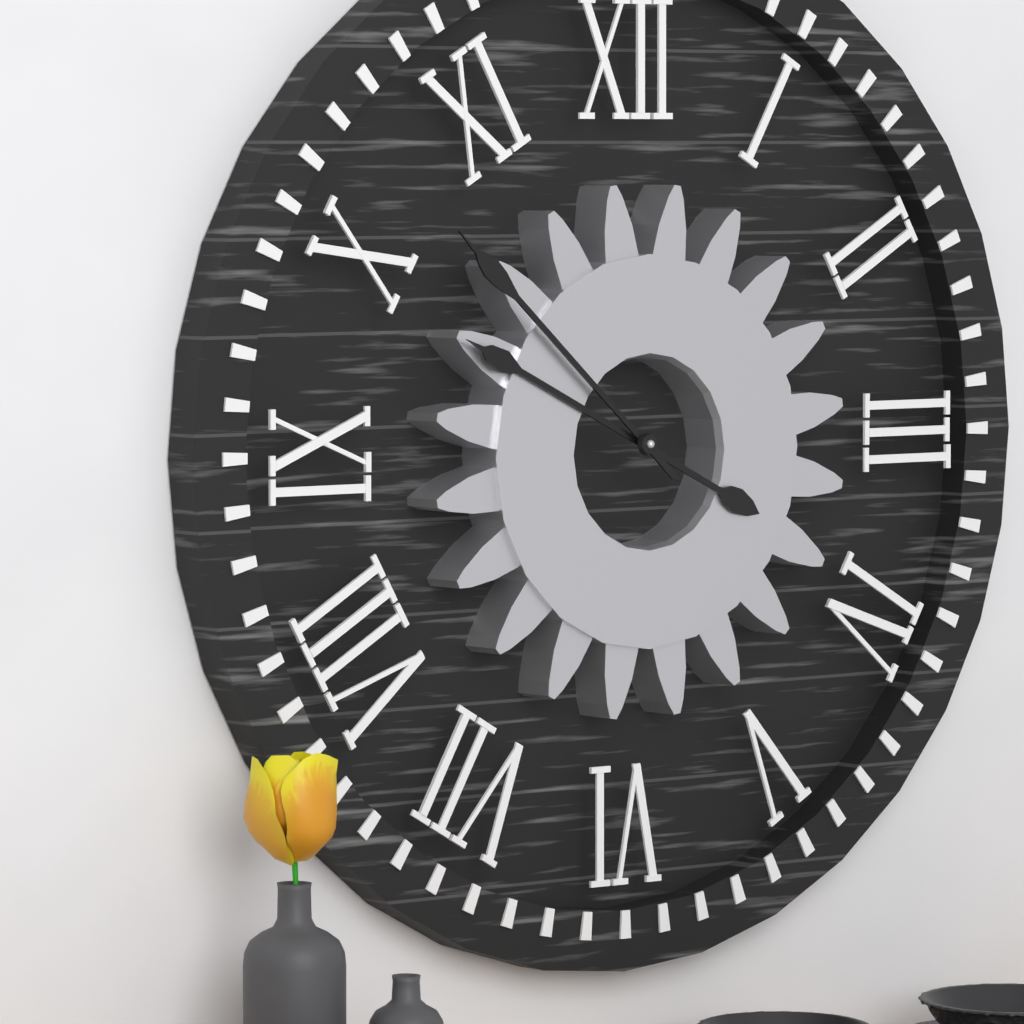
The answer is 9:52
